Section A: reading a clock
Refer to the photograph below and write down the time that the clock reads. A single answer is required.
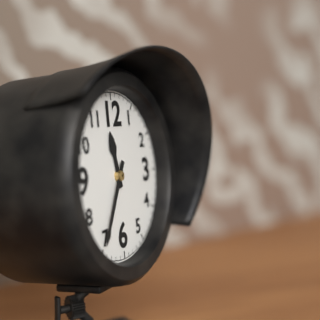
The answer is 11:35
